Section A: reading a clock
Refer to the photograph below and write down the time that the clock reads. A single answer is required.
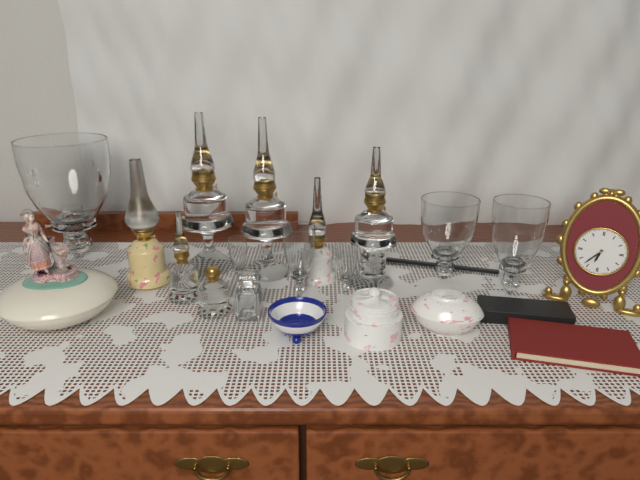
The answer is 6:37
